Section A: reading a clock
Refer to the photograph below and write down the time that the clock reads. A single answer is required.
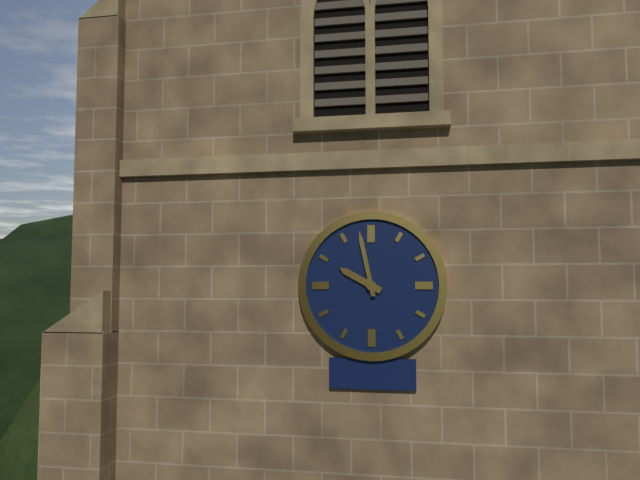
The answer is 9:58
